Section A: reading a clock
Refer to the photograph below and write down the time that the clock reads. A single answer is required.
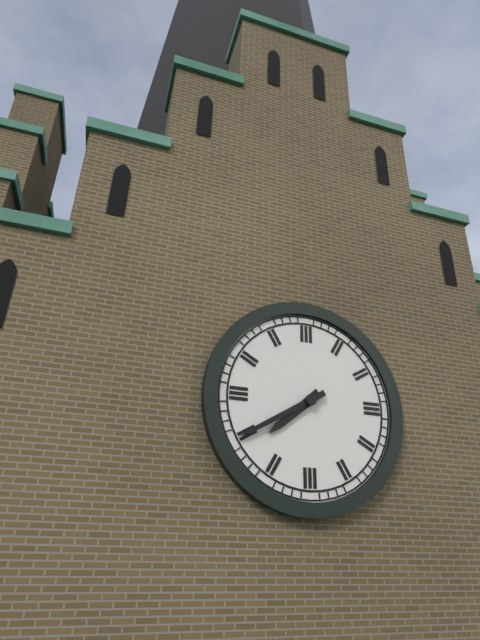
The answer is 7:40
